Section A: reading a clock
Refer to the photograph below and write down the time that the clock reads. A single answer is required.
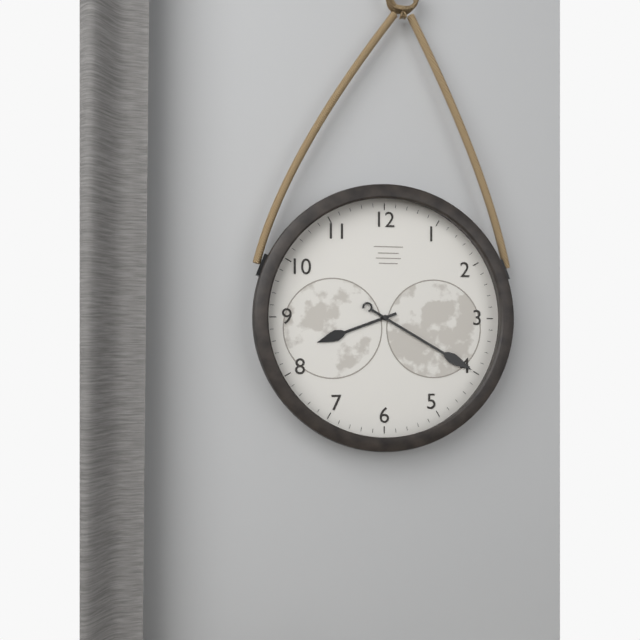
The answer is 8:20
